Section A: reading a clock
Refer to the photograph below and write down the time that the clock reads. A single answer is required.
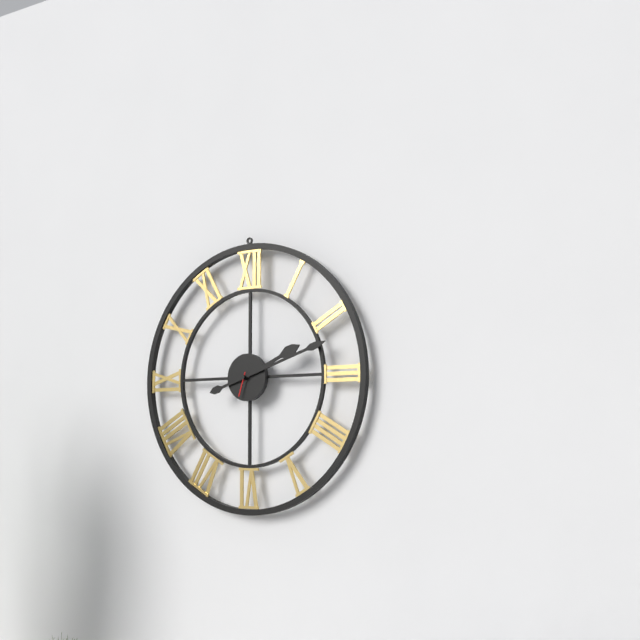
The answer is 2:12
